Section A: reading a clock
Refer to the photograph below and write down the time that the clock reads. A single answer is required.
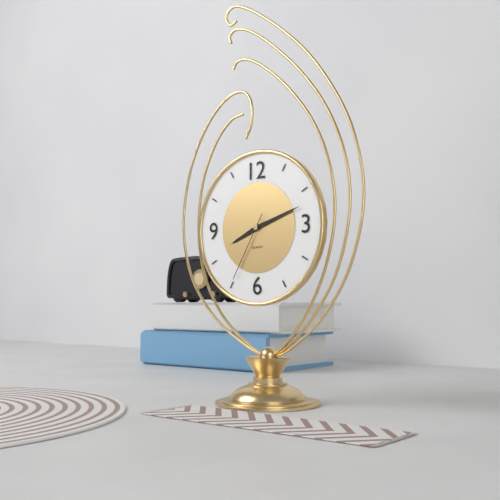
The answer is 8:12:35
